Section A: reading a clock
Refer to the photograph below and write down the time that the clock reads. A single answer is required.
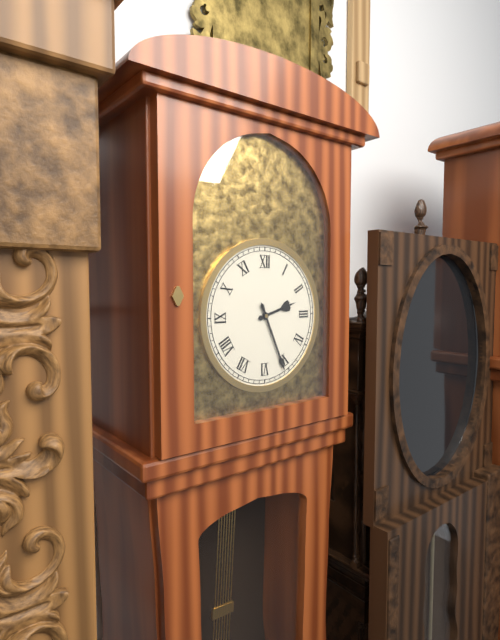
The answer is 2:26
